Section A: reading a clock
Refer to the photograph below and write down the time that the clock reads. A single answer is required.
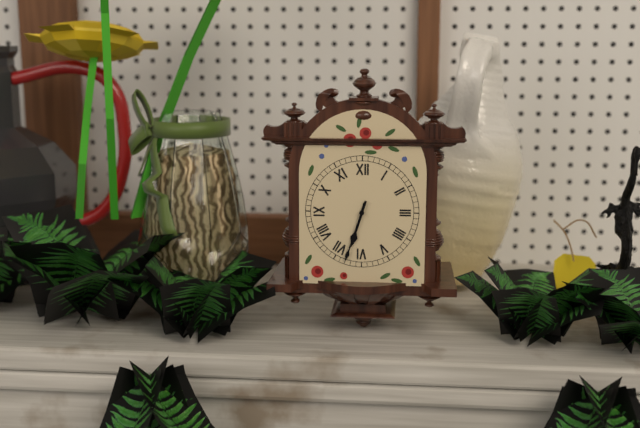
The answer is 6:33
